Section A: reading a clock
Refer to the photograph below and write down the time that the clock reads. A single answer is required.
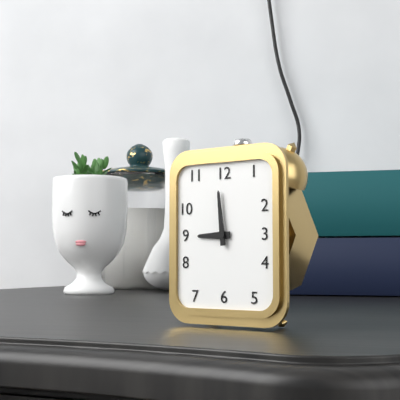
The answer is 8:59
